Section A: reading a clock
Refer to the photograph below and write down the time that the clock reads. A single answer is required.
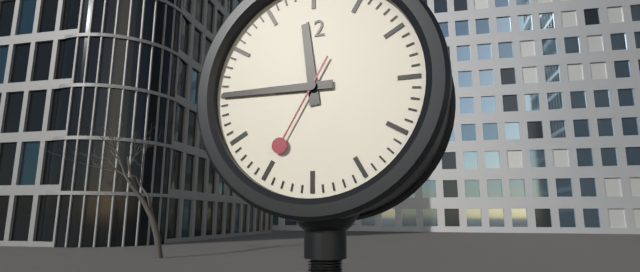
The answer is 11:45:35
